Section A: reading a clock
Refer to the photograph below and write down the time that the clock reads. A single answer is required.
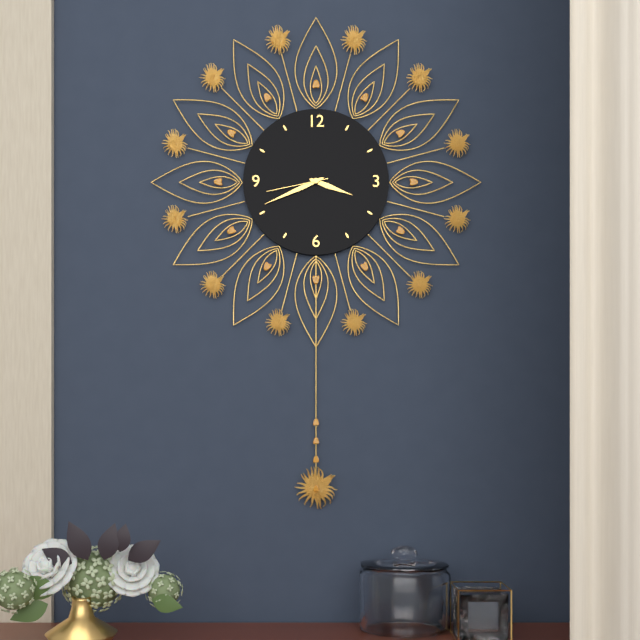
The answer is 3:41:43
